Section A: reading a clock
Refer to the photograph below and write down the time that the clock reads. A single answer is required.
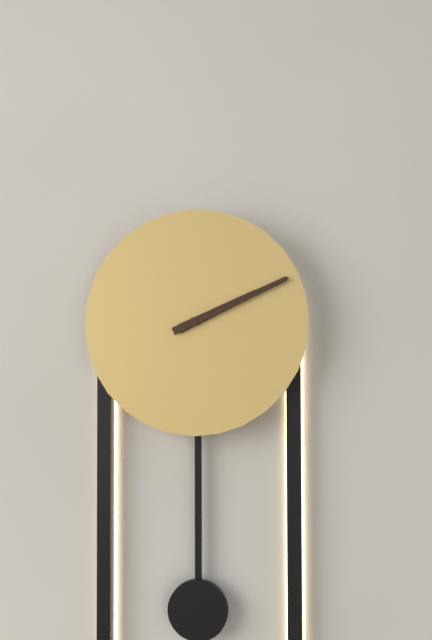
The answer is 2:11
